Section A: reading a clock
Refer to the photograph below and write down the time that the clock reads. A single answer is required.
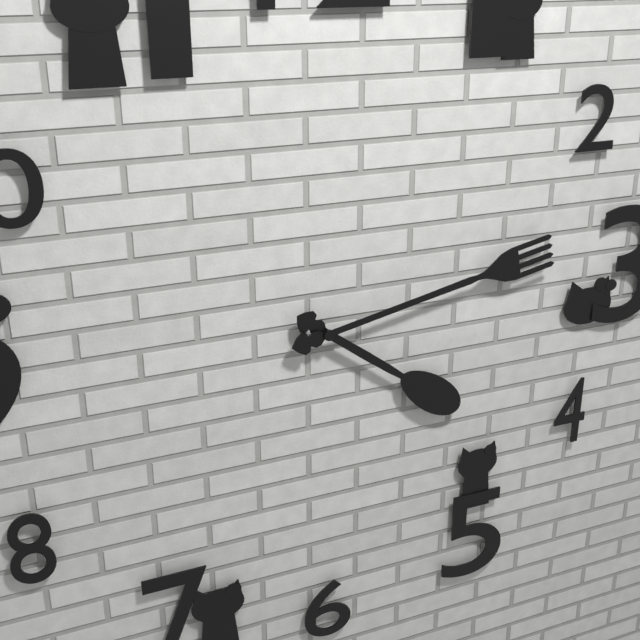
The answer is 4:13
